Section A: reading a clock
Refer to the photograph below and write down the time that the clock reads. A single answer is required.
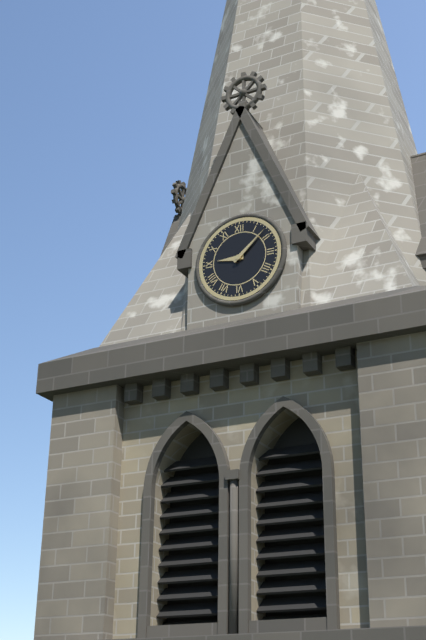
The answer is 9:08
